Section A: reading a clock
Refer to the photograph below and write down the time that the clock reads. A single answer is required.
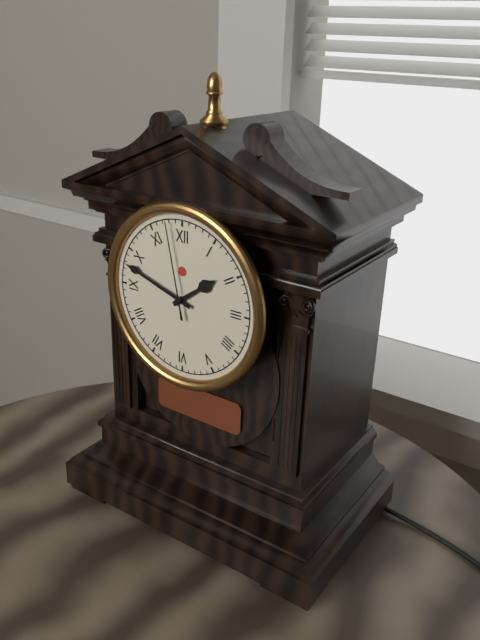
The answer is 1:48:58
